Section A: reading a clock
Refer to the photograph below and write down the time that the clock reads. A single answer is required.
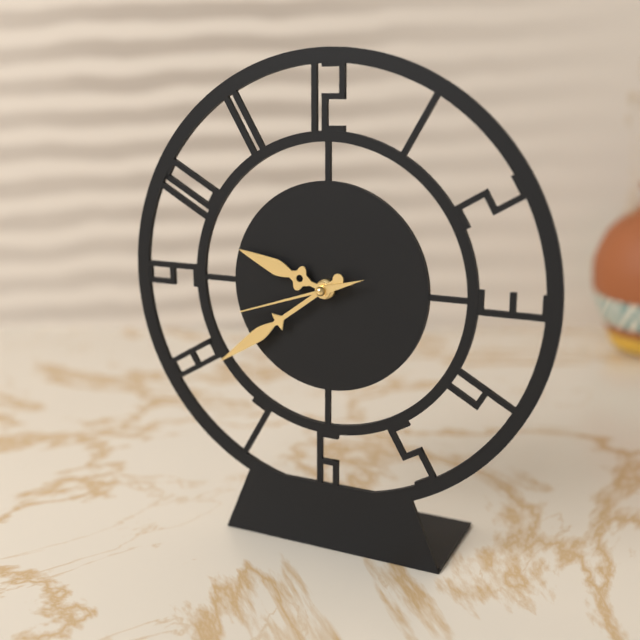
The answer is 9:39:42
